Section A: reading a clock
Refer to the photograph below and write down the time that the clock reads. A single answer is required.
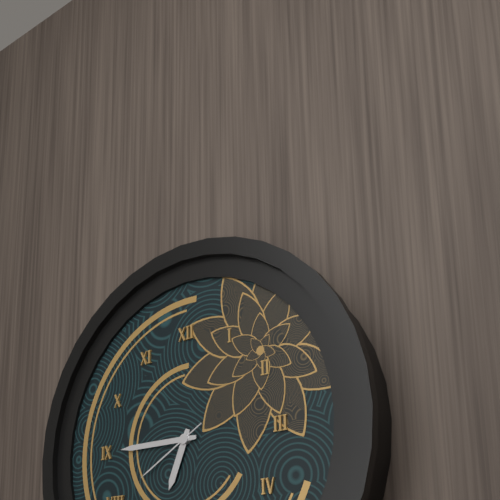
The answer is 6:45:40
